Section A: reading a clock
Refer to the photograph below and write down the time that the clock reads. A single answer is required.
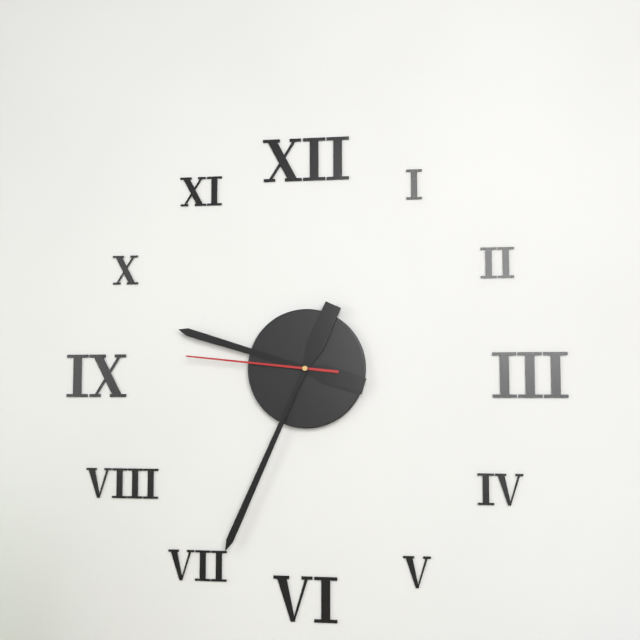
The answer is 9:34:46
